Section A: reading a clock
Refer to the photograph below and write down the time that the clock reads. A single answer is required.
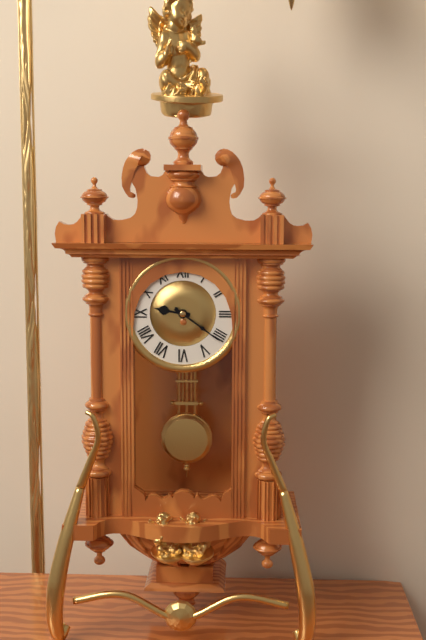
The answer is 9:21
